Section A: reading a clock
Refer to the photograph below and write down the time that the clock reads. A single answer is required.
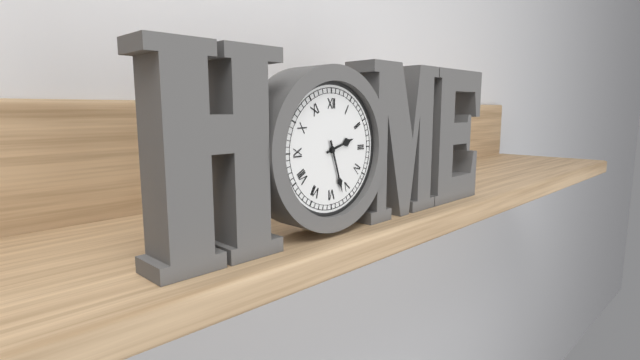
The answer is 2:27
